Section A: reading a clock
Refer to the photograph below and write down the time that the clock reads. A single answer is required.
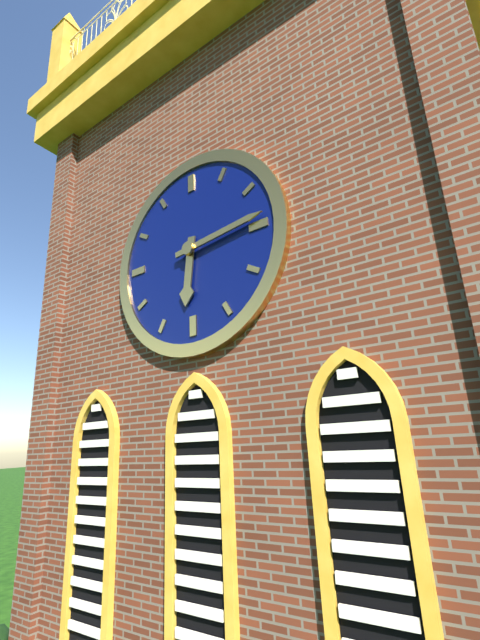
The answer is 6:14
